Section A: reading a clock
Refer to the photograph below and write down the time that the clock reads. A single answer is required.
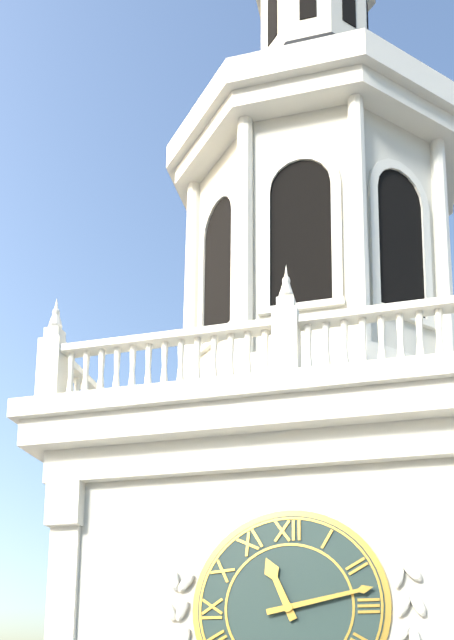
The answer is 11:13
